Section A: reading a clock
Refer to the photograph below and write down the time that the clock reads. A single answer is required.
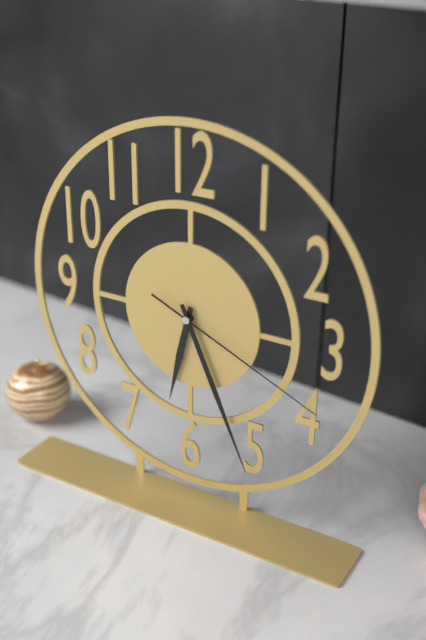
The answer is 6:26:19
